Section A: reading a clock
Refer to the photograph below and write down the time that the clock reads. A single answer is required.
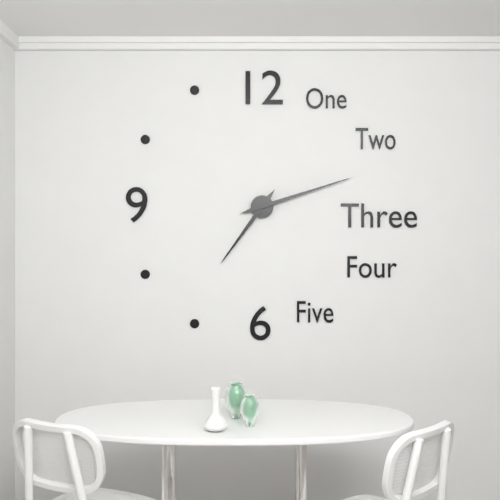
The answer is 7:12
